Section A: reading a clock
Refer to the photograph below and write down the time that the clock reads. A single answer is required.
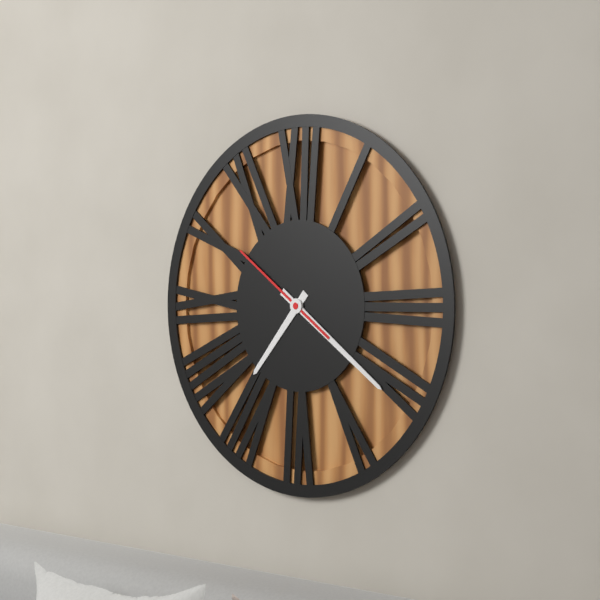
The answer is 7:21:51
